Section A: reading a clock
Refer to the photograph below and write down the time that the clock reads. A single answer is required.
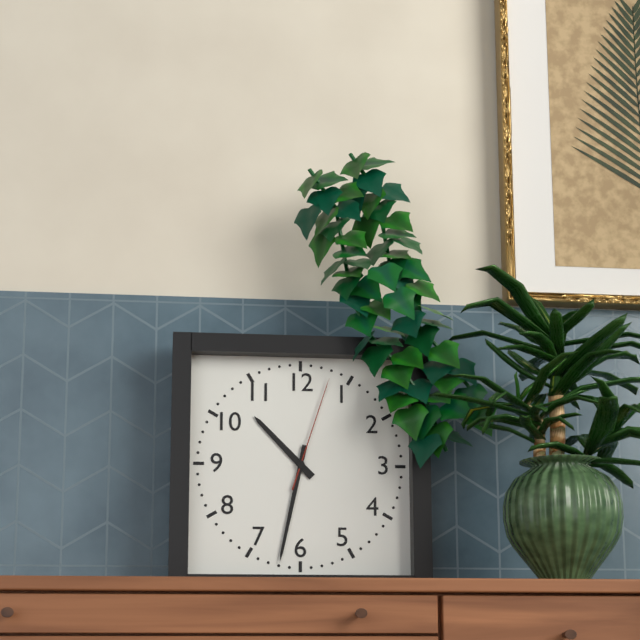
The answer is 10:32:03
